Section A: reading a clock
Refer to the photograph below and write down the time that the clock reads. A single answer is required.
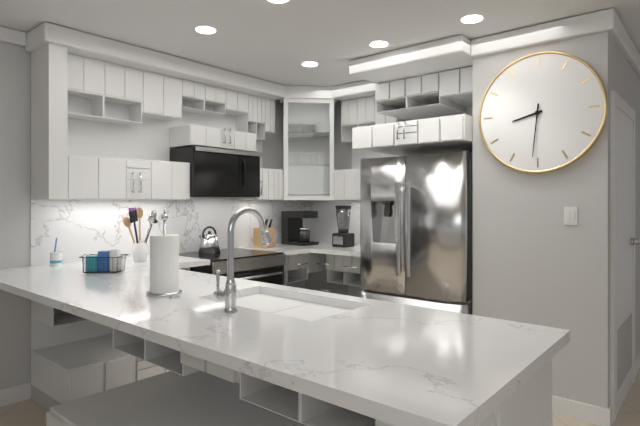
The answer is 8:31
